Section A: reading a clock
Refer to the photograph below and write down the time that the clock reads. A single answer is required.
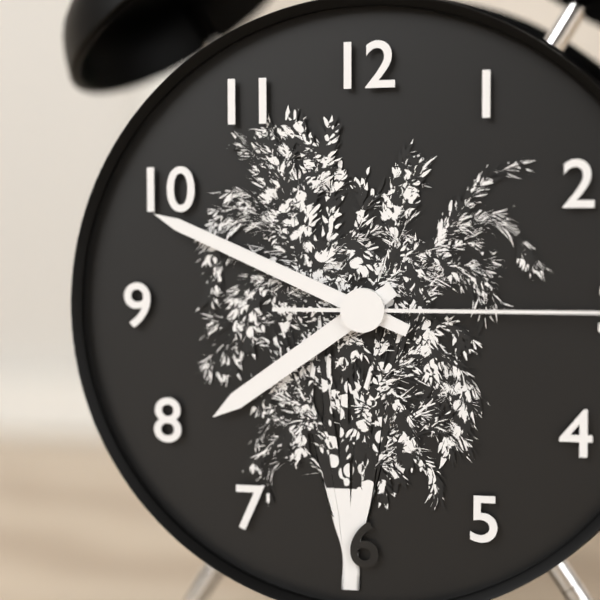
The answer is 7:49
